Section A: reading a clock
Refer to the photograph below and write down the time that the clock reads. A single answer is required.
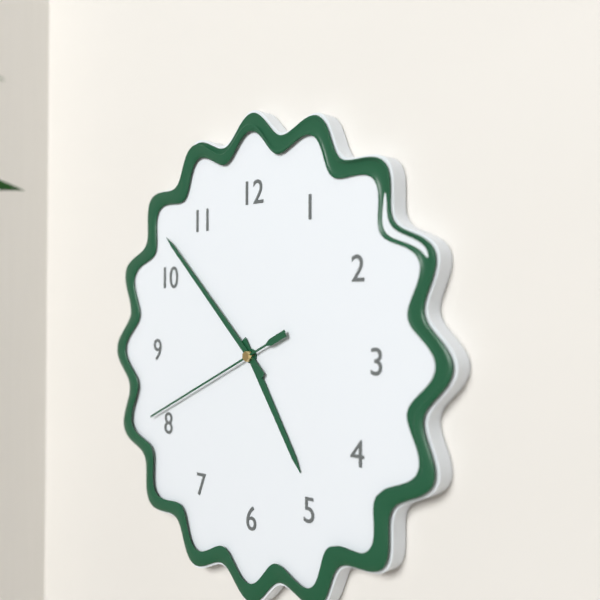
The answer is 4:52:41
